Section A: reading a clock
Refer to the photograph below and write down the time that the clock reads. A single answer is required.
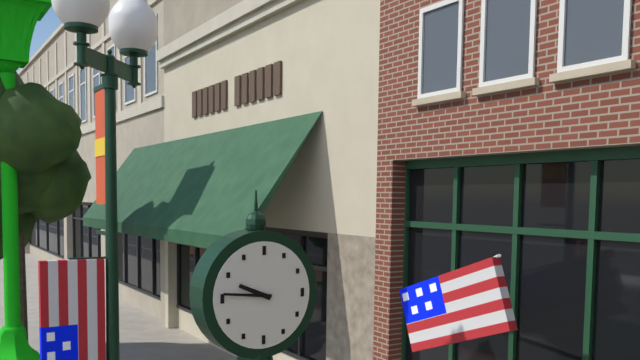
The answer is 9:46
